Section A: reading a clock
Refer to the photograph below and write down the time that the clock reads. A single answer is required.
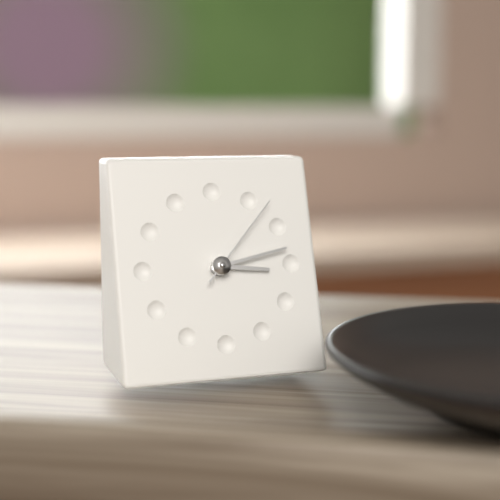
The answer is 3:13:07
